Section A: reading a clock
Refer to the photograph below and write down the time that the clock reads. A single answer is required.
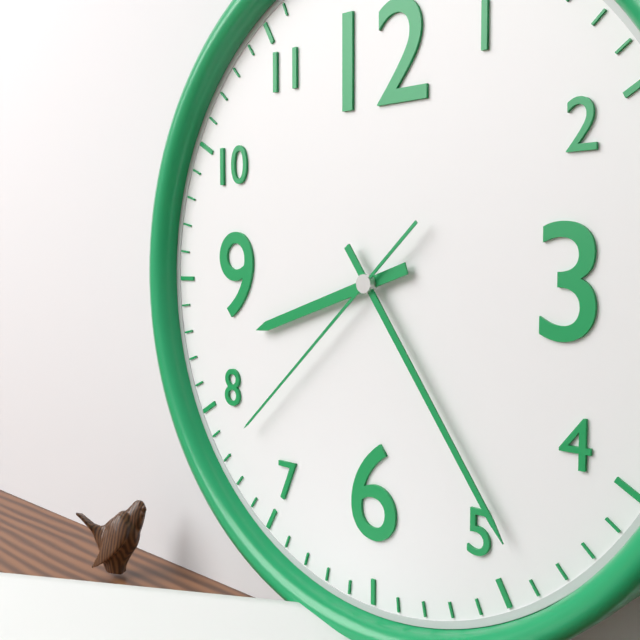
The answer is 8:24:38
